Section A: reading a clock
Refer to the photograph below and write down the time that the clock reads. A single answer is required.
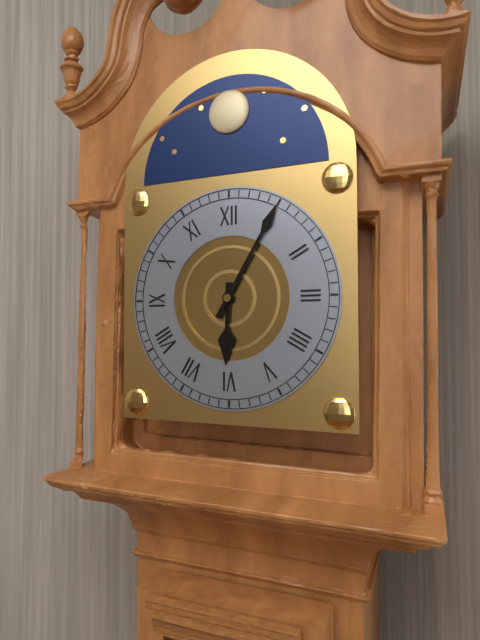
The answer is 6:05
